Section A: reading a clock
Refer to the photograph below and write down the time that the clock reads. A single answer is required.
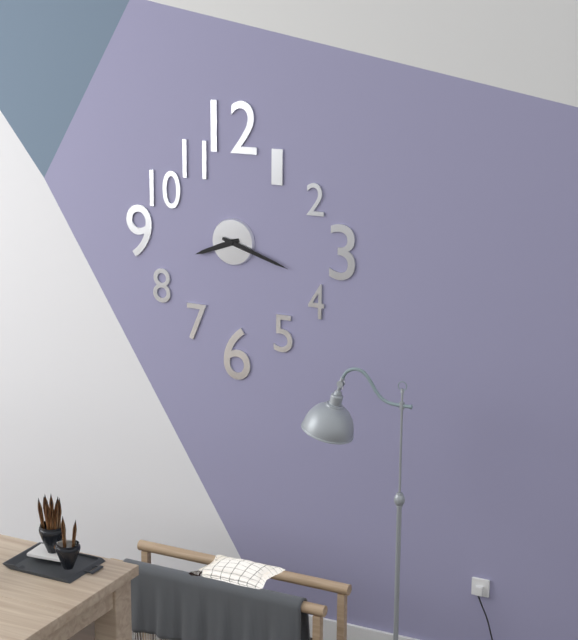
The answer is 8:18
